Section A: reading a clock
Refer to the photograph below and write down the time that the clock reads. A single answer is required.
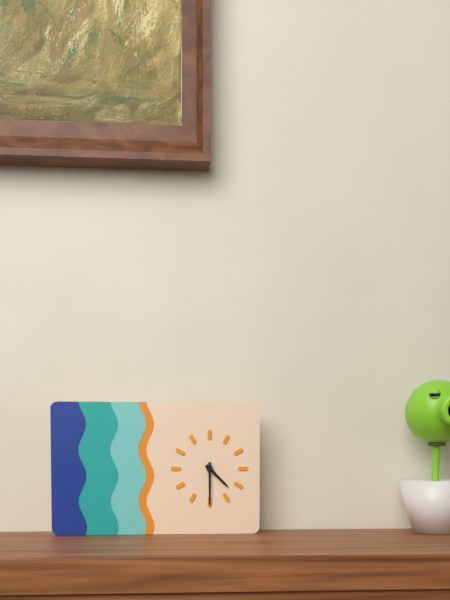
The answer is 4:30
